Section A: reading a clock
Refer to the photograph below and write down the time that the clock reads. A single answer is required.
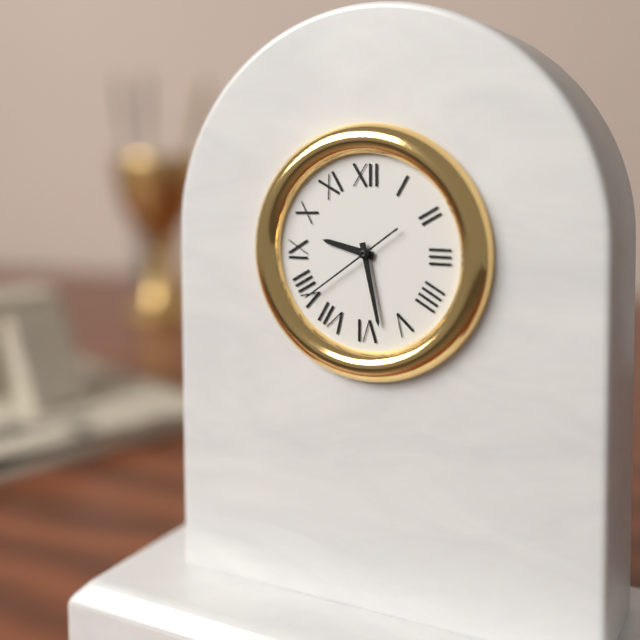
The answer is 9:28:39
